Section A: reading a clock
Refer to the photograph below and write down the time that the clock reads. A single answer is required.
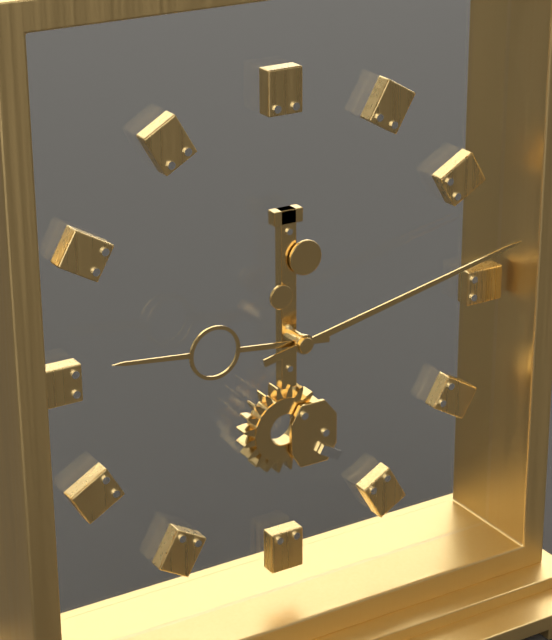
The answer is 9:13
